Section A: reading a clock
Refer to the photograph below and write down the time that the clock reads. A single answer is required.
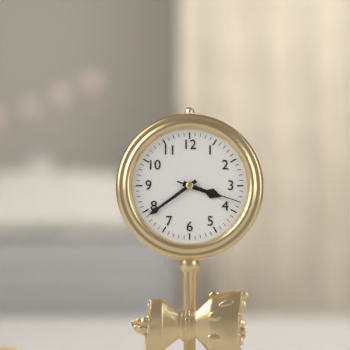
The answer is 3:39:18
